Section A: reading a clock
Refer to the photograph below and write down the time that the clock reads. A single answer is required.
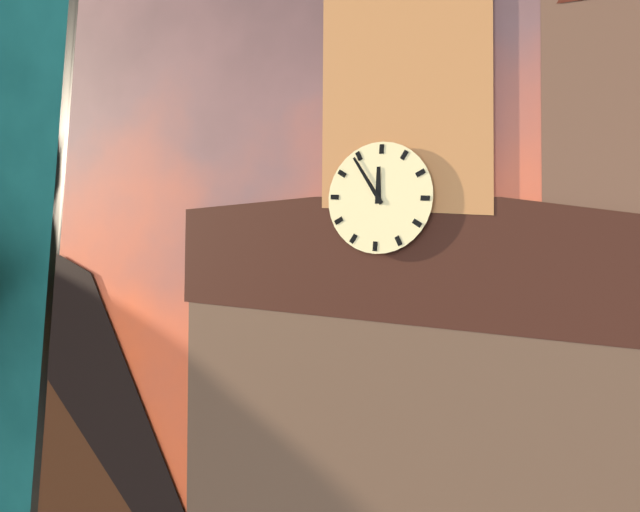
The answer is 11:54
